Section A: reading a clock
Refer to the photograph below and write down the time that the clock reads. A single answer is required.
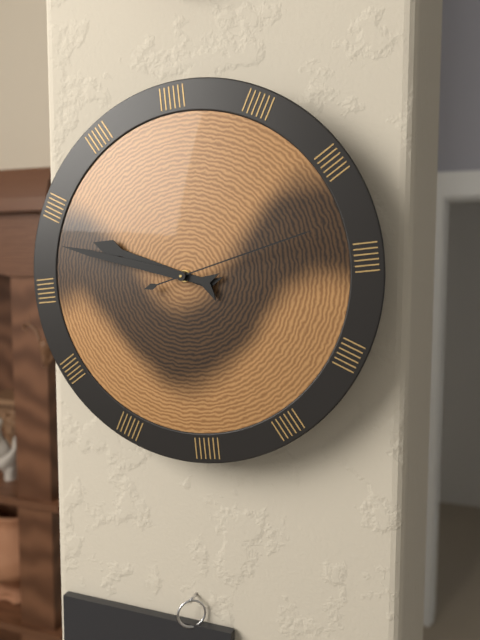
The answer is 9:48:13
